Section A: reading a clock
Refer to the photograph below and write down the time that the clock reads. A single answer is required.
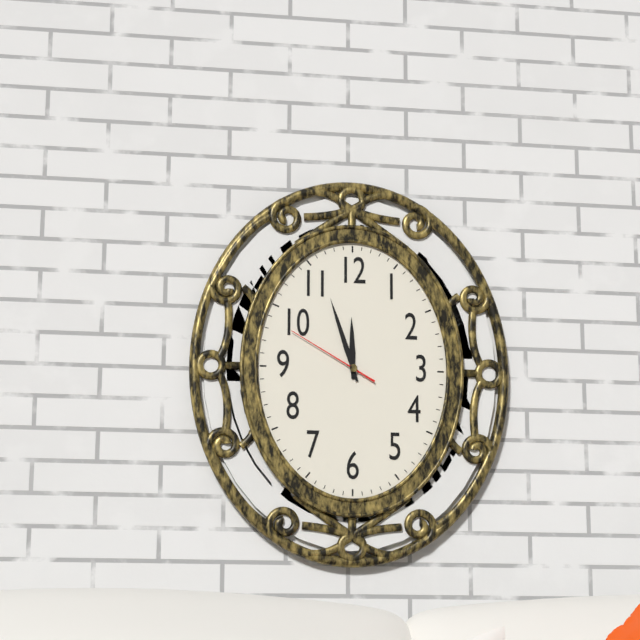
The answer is 11:57:50
